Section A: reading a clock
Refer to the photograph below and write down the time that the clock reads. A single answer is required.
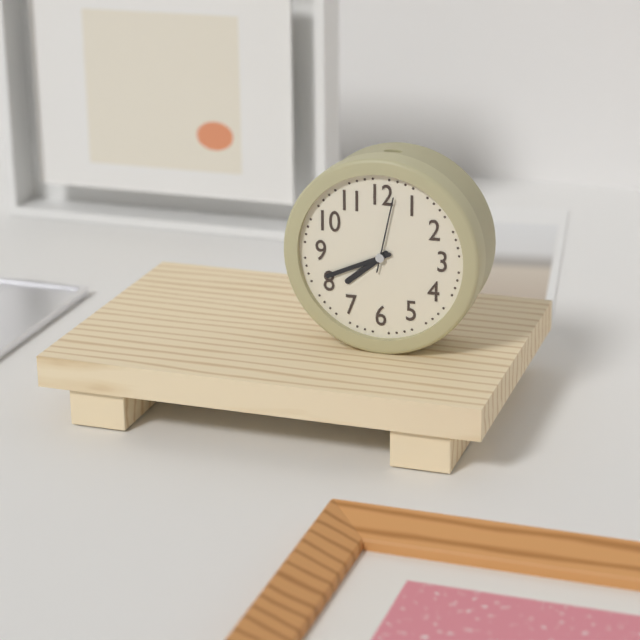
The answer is 7:41:02
